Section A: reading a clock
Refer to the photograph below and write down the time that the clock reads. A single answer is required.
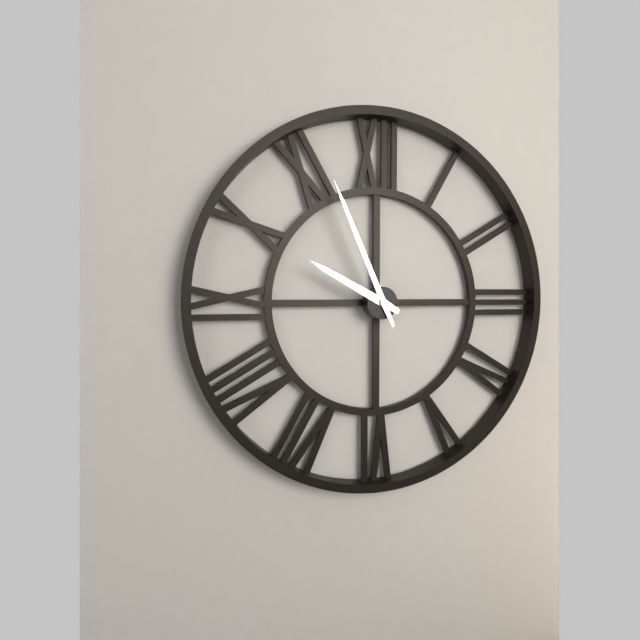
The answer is 9:56
